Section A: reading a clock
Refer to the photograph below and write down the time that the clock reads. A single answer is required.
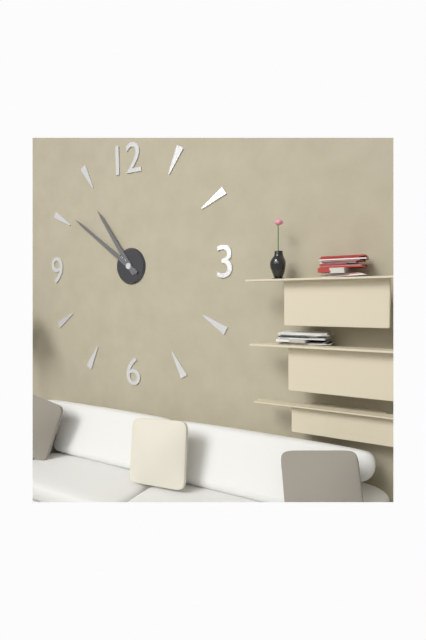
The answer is 10:51
